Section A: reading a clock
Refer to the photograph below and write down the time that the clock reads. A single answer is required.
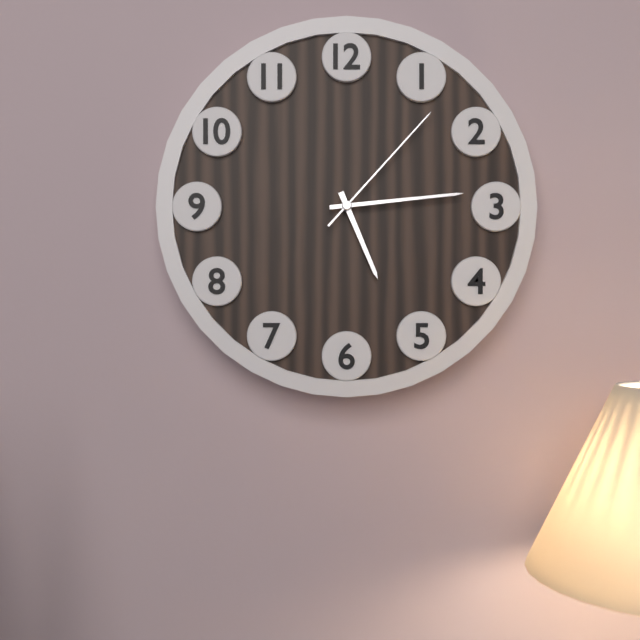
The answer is 5:14:07
